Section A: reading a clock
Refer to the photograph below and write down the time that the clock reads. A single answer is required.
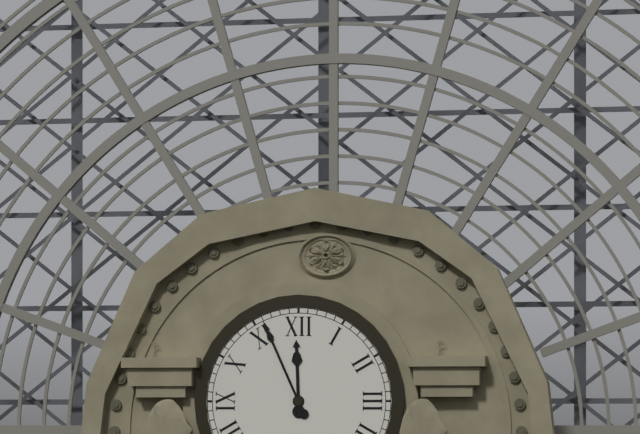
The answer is 11:56
